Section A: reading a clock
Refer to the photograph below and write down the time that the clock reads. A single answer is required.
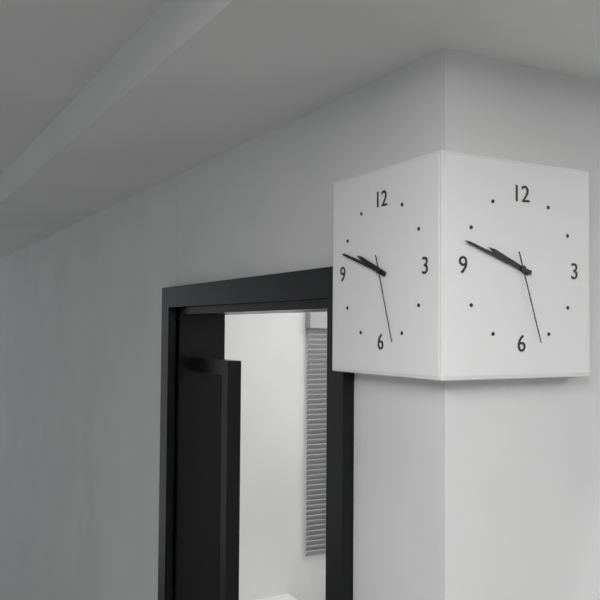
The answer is 9:48:27
